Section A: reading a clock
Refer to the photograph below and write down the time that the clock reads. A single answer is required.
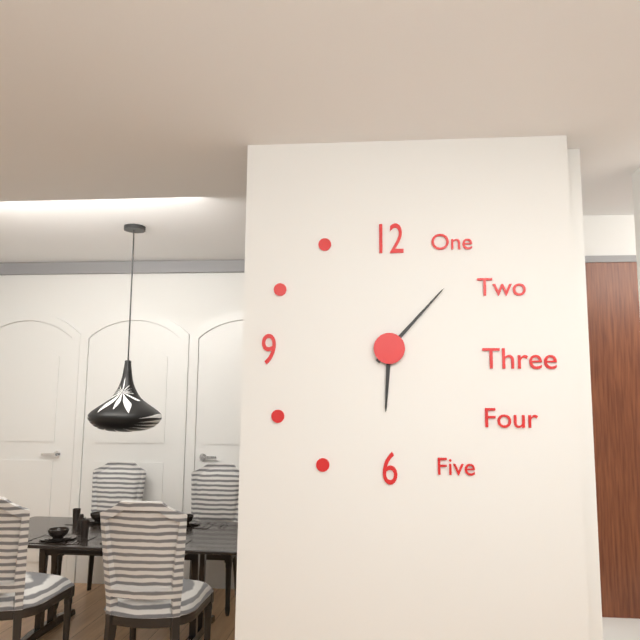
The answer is 6:07
